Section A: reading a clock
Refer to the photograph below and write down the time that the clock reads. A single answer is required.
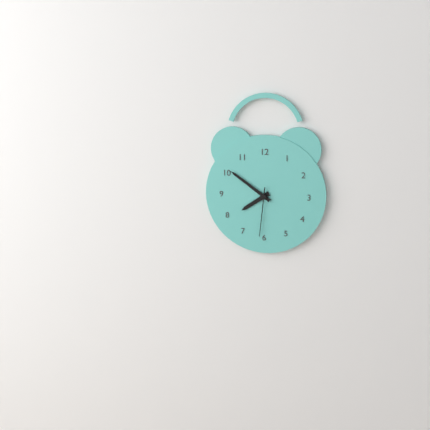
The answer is 7:51:31
